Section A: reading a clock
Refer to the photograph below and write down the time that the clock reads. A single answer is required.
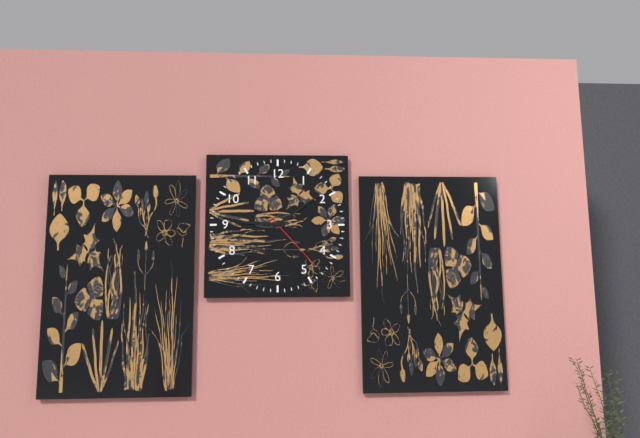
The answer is 9:09:23
